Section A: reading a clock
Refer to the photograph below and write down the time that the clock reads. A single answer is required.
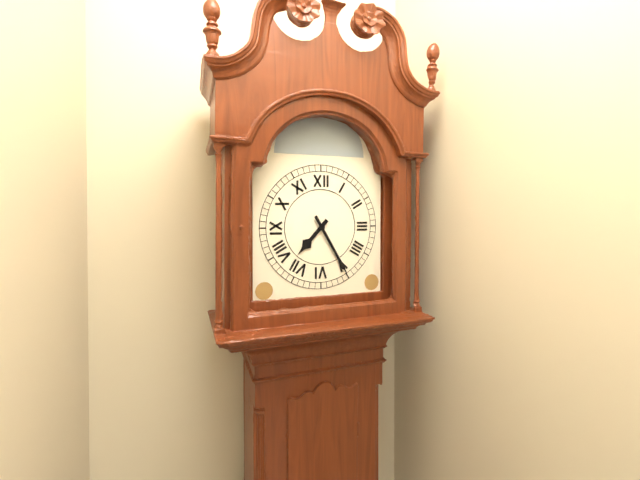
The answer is 7:25
